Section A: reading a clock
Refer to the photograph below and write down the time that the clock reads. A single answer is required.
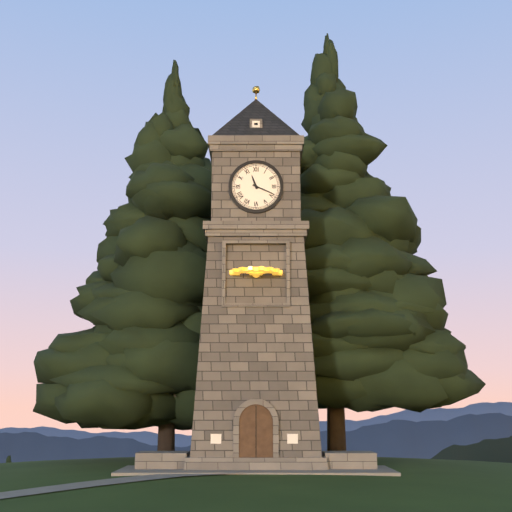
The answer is 11:19
